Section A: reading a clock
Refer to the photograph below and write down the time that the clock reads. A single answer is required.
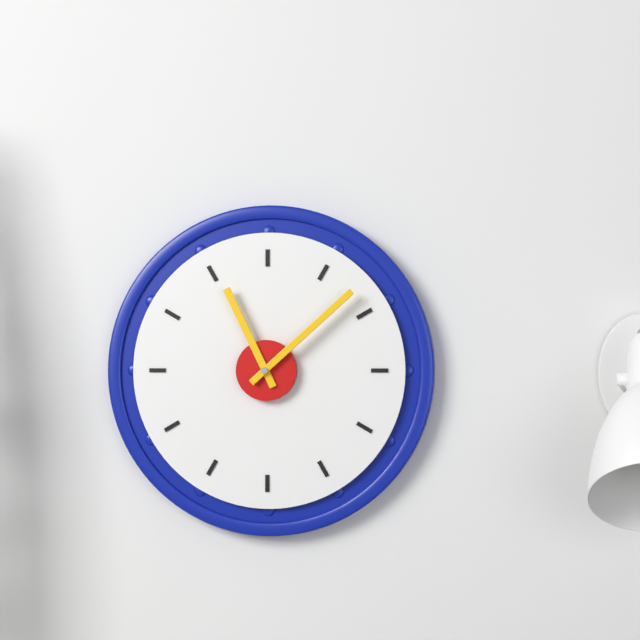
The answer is 11:08
